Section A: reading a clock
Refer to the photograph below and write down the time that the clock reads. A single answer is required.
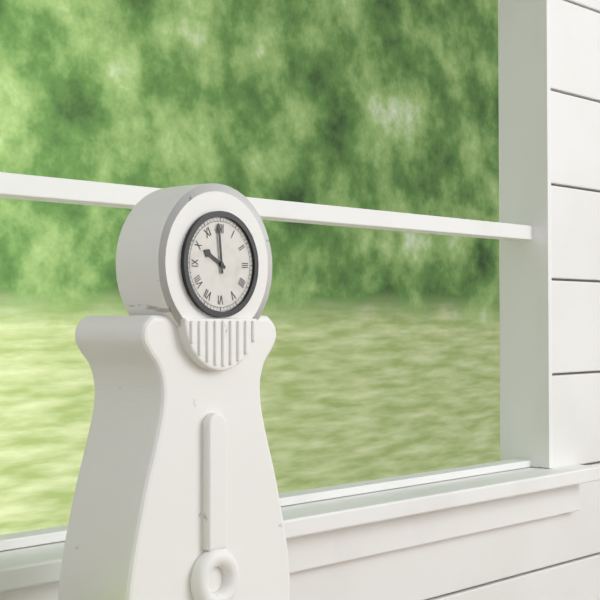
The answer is 9:59
